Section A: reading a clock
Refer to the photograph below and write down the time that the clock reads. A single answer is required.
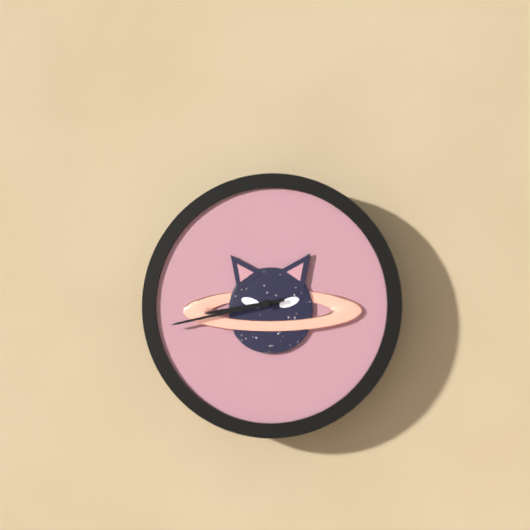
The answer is 8:43
